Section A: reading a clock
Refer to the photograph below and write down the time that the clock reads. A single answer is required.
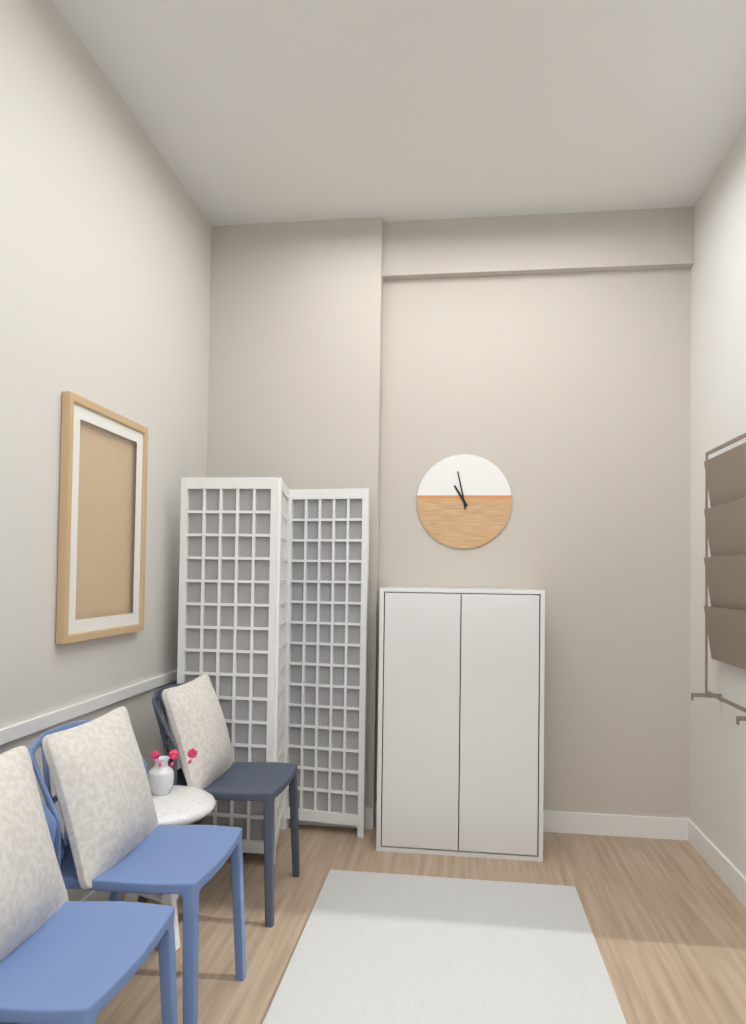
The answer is 10:58
